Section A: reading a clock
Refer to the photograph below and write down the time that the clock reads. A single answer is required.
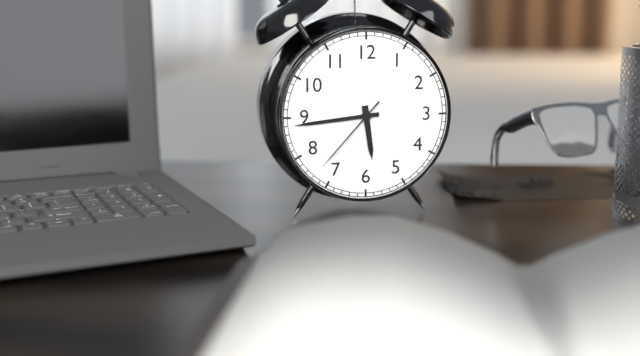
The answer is 5:44:37
